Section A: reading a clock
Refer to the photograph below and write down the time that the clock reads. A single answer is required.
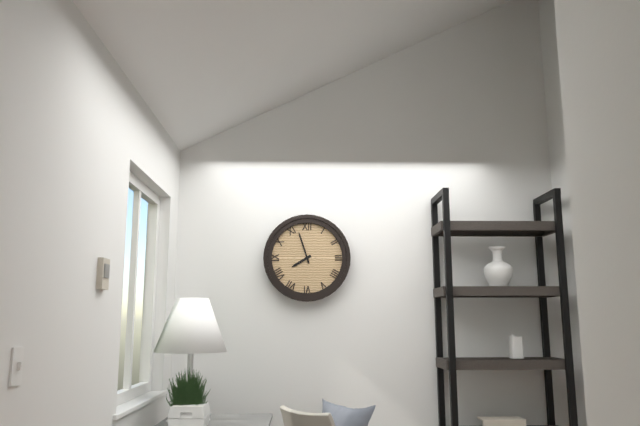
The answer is 7:57
